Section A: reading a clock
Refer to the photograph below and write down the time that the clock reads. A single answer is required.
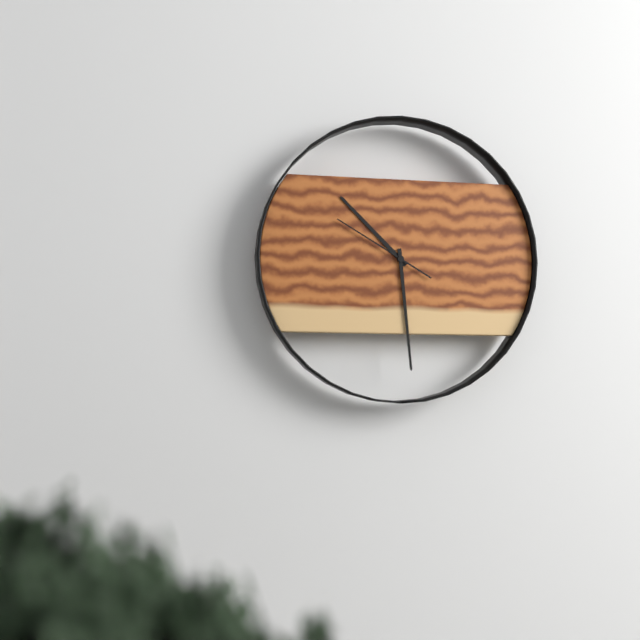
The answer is 10:29:50
